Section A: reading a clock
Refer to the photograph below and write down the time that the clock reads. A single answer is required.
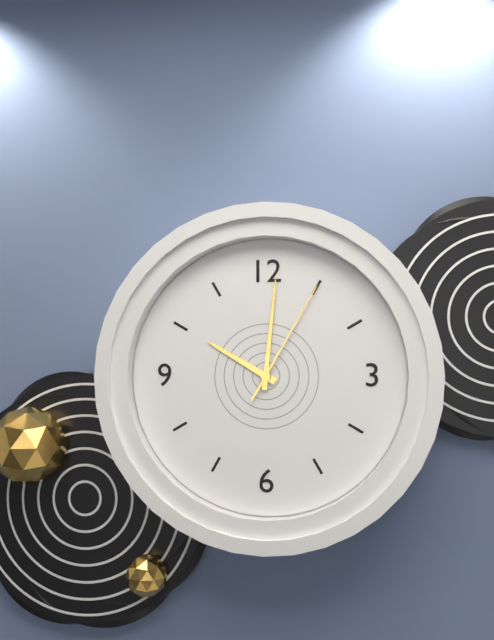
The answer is 10:01:05
